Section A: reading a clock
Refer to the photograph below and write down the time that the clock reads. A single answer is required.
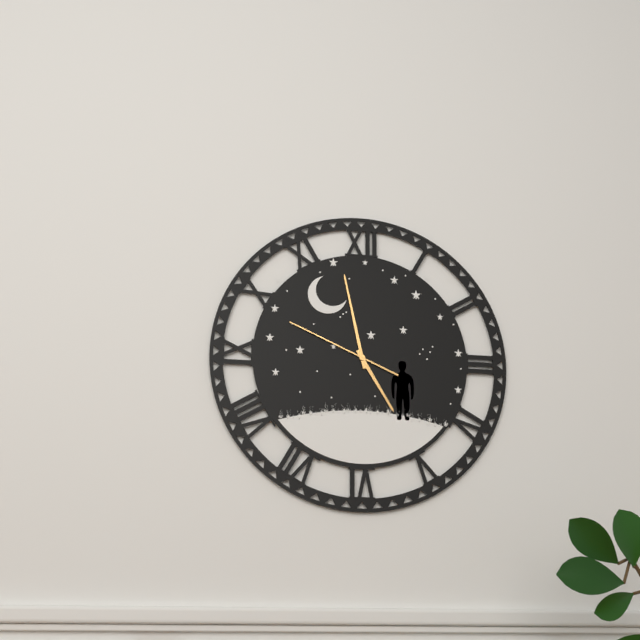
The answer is 4:58:49
